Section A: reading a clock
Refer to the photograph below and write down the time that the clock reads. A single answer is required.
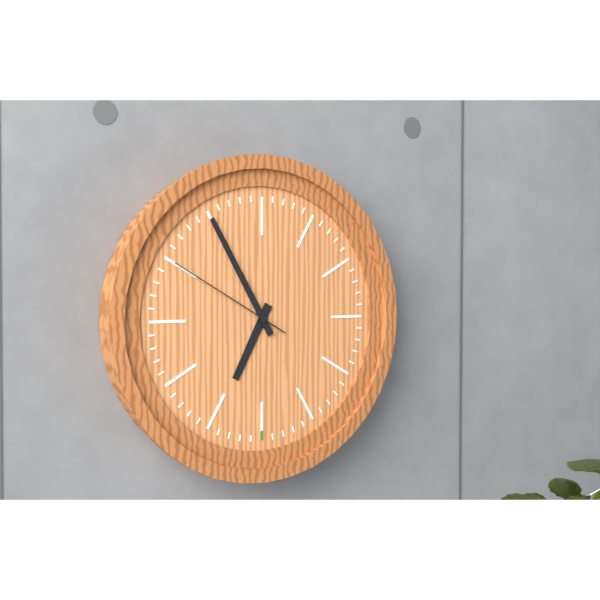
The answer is 6:55:50
